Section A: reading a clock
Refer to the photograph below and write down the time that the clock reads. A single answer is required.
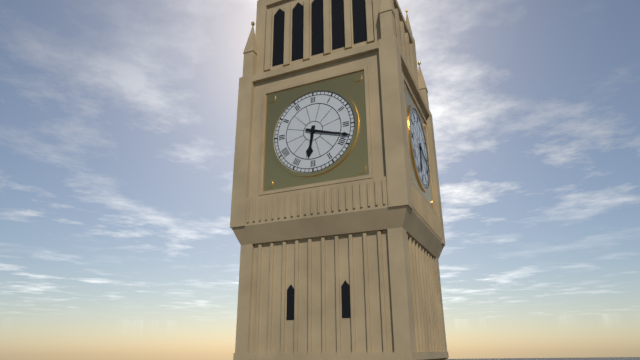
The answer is 6:18
